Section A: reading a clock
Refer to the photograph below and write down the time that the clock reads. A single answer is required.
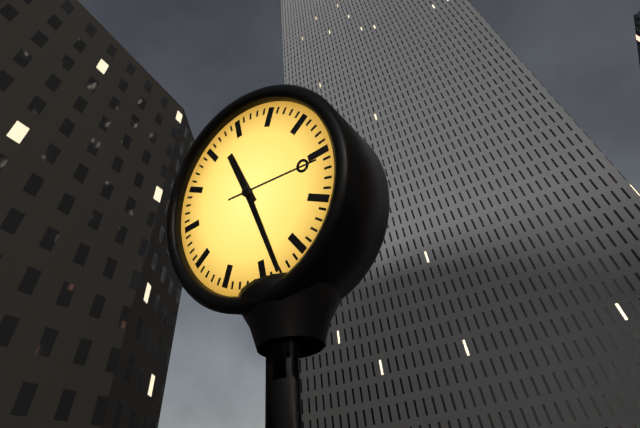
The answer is 11:28:16
